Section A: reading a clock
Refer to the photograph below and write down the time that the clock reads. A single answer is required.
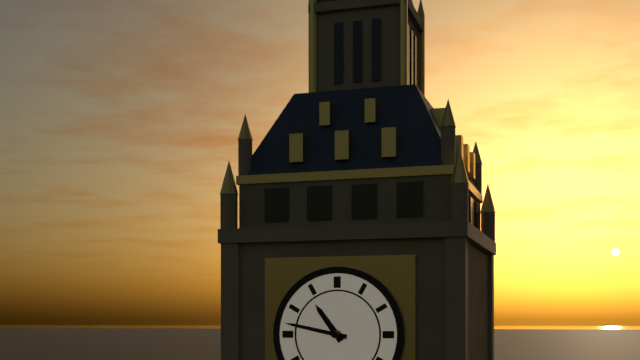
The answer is 10:47
